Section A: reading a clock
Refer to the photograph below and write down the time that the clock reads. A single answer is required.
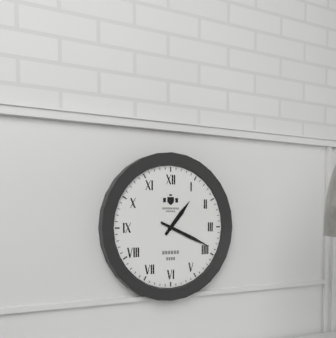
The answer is 1:19
